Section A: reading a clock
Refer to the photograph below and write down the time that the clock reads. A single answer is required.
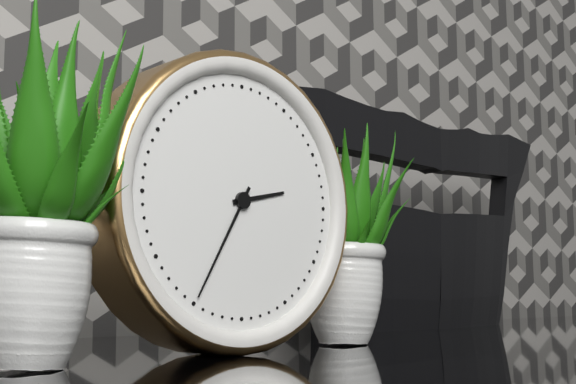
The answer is 2:35
